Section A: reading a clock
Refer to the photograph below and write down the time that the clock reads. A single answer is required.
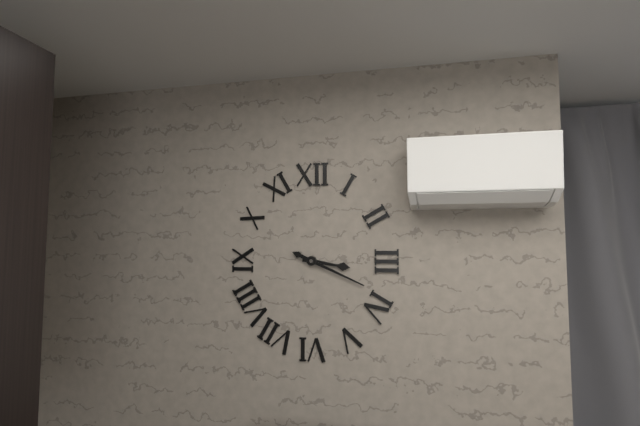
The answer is 3:19
